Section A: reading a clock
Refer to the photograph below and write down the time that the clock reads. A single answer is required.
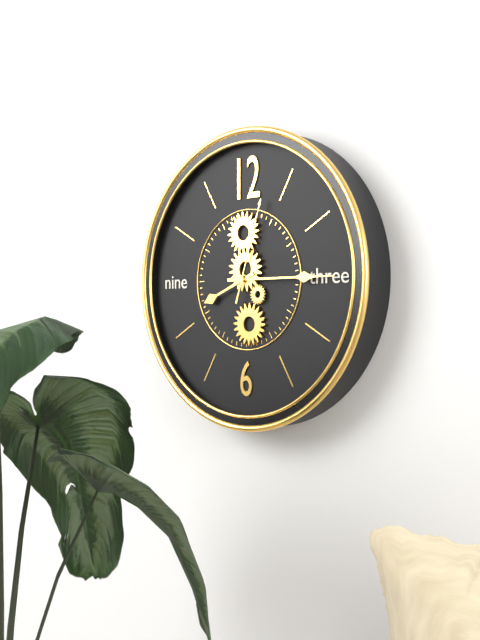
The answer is 8:15:03
